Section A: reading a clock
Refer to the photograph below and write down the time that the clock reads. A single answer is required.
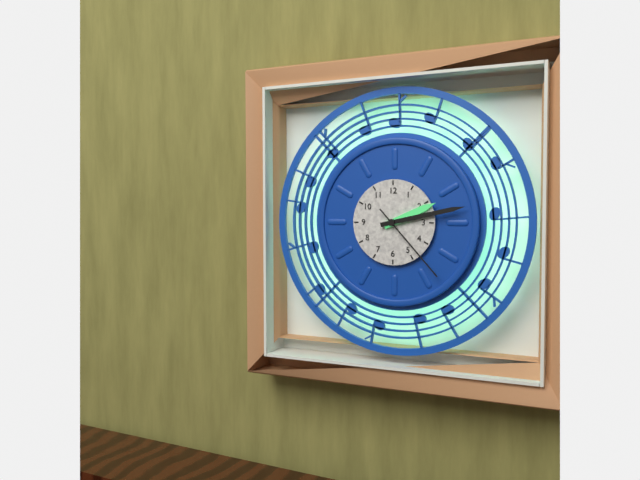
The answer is 2:13:23
